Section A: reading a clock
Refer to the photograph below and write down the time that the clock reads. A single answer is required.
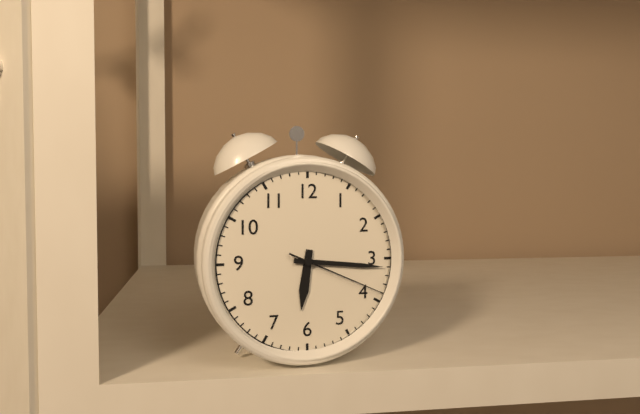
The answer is 6:16:19
